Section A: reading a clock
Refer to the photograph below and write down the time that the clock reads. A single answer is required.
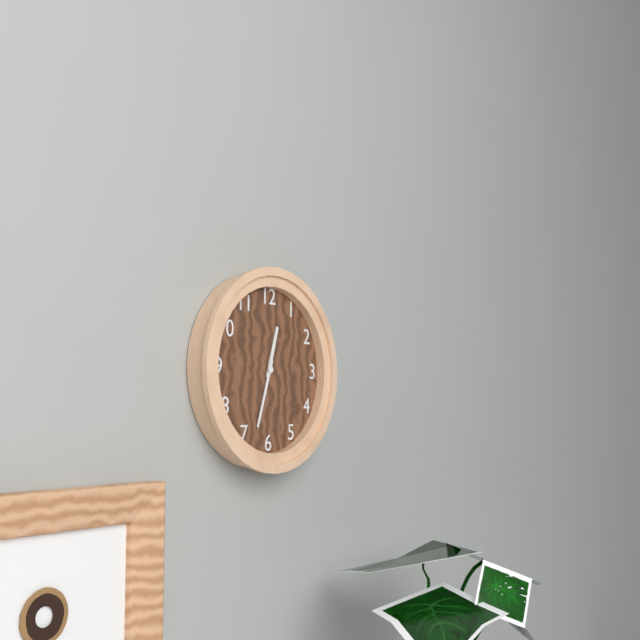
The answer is 12:33
